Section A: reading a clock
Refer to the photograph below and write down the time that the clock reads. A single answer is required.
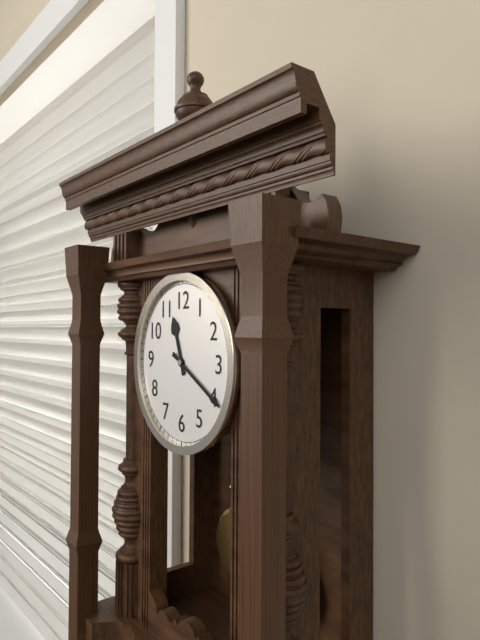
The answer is 11:20
